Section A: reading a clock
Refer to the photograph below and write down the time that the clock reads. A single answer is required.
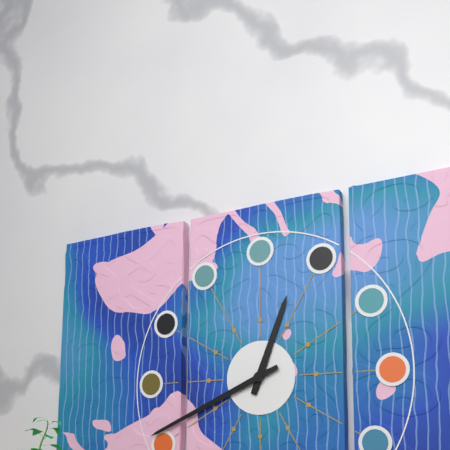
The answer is 12:41
